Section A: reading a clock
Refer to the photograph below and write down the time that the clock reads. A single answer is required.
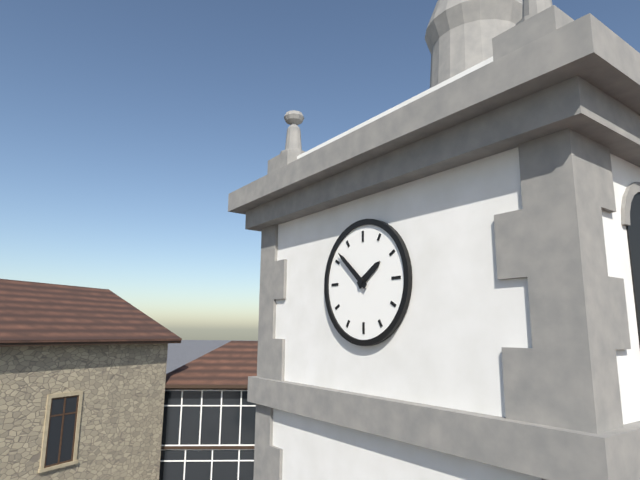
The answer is 1:52
